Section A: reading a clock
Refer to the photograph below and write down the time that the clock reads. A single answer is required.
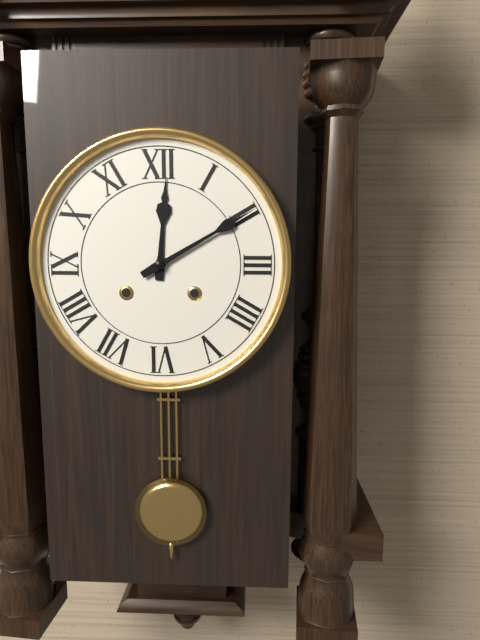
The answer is 12:10
